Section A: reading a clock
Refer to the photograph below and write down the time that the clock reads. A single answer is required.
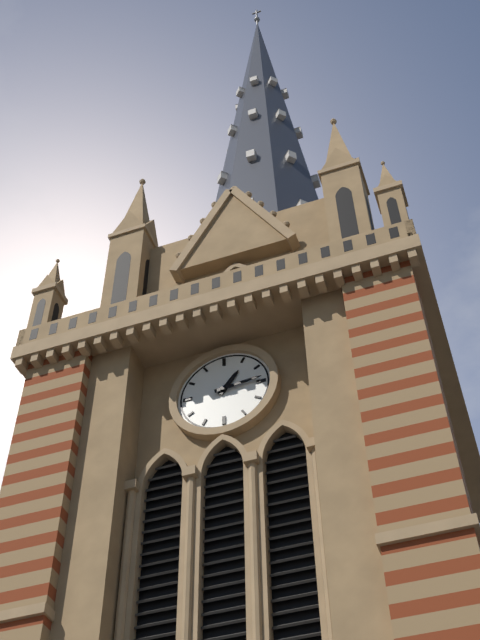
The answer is 1:14
